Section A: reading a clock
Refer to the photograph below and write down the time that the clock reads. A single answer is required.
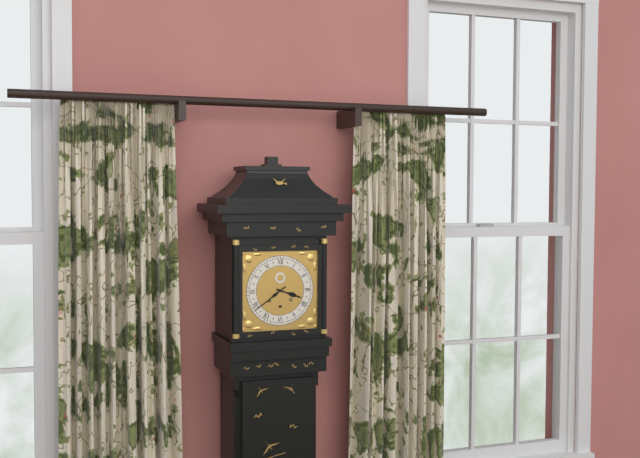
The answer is 3:39
